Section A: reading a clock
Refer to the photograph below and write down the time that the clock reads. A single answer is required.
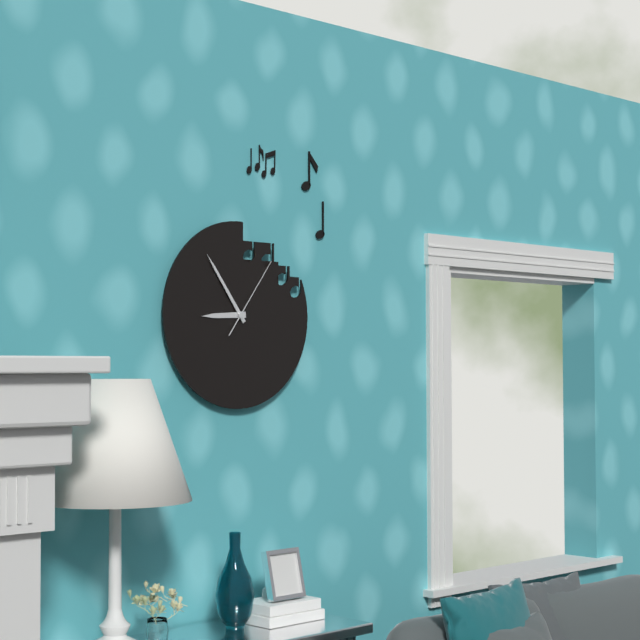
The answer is 8:54:06
